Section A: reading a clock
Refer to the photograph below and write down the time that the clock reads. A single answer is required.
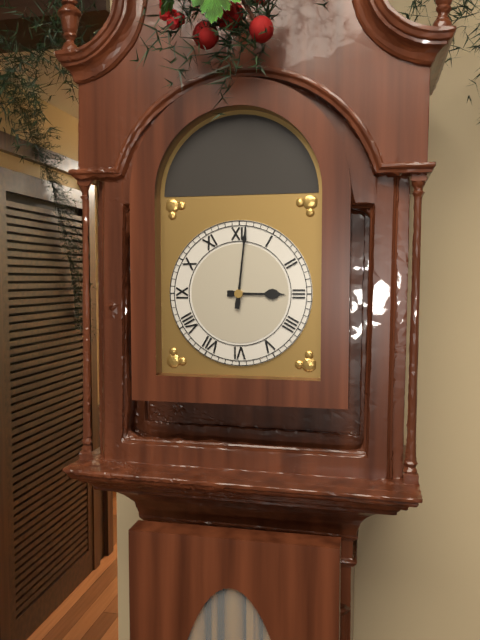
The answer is 3:01
